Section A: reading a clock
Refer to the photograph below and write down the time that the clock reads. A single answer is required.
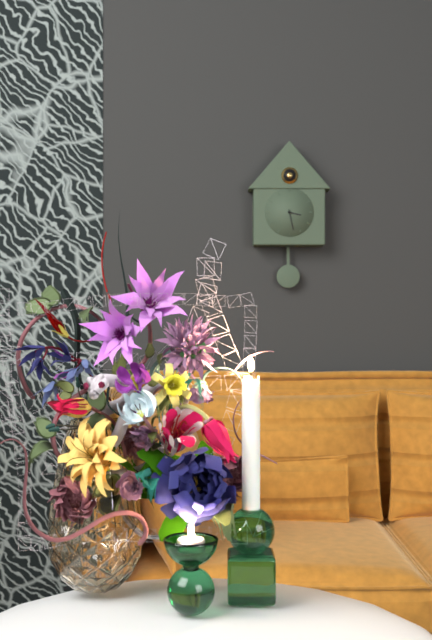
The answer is 3:28
